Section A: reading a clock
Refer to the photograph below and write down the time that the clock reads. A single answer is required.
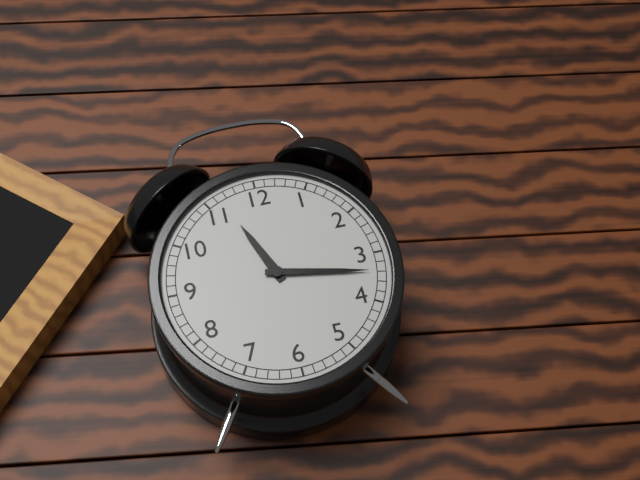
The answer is 11:17
